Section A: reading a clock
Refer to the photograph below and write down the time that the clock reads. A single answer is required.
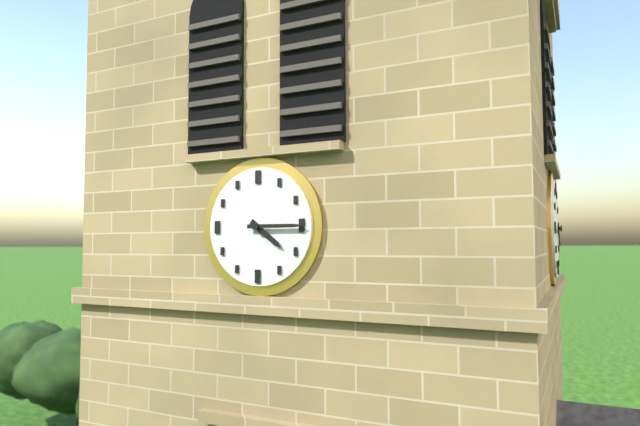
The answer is 4:15
